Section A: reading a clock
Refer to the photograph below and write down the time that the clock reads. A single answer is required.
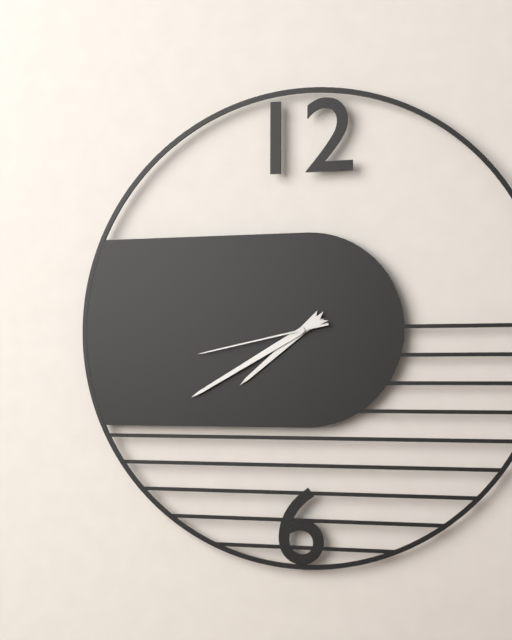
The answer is 7:40:43
